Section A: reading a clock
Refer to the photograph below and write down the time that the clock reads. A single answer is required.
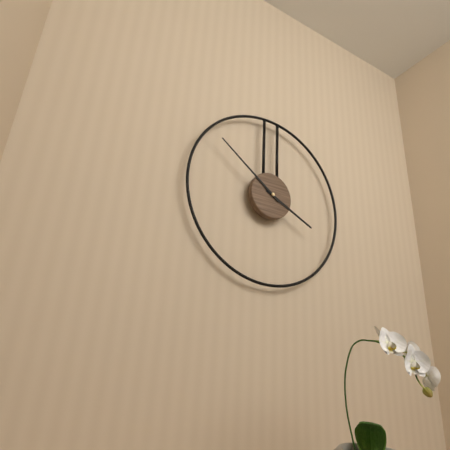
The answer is 3:51
